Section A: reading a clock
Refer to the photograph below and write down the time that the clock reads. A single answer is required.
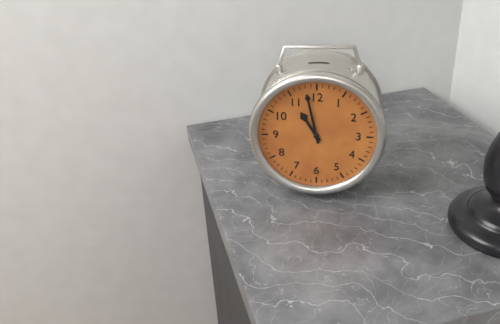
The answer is 10:58
